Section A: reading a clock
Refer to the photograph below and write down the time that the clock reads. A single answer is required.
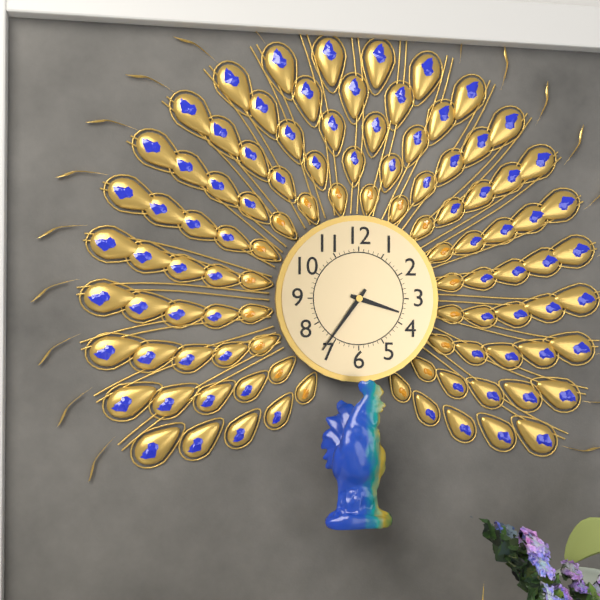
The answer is 3:36
